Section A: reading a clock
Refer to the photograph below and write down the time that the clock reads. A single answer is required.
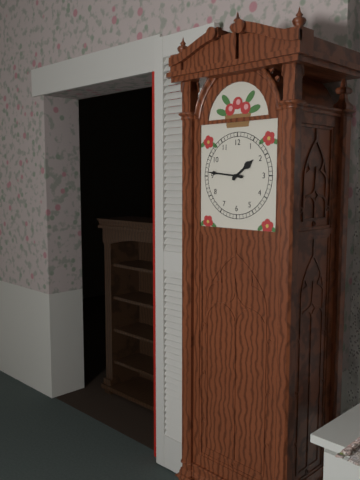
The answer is 1:46
